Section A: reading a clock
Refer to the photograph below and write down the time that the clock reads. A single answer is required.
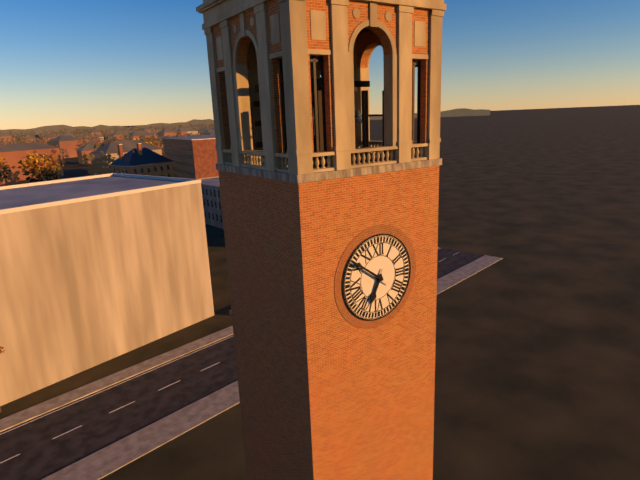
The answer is 6:51
